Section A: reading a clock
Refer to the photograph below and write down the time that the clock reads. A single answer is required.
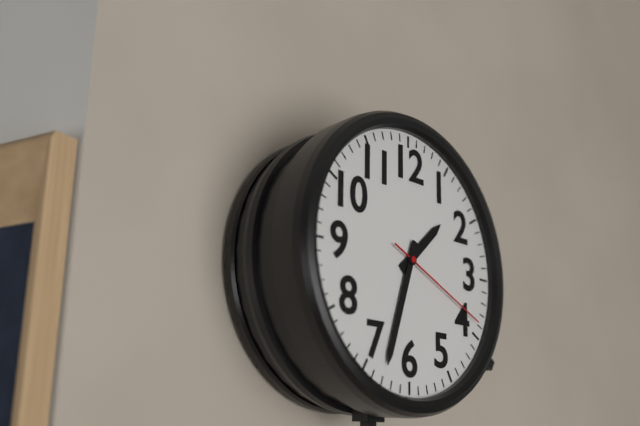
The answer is 1:33:19
